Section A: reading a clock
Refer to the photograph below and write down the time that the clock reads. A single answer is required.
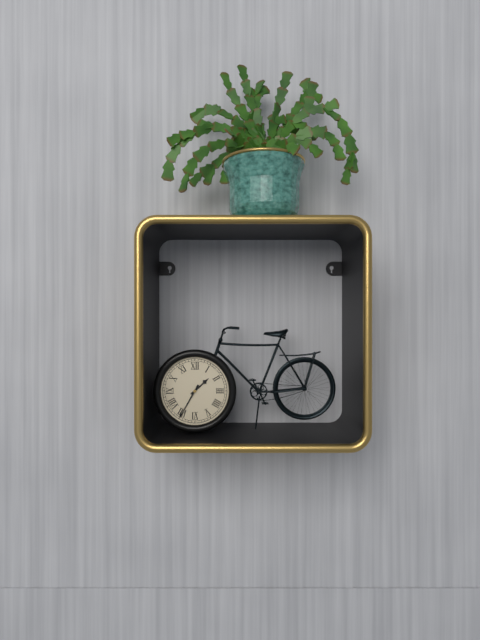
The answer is 1:35
